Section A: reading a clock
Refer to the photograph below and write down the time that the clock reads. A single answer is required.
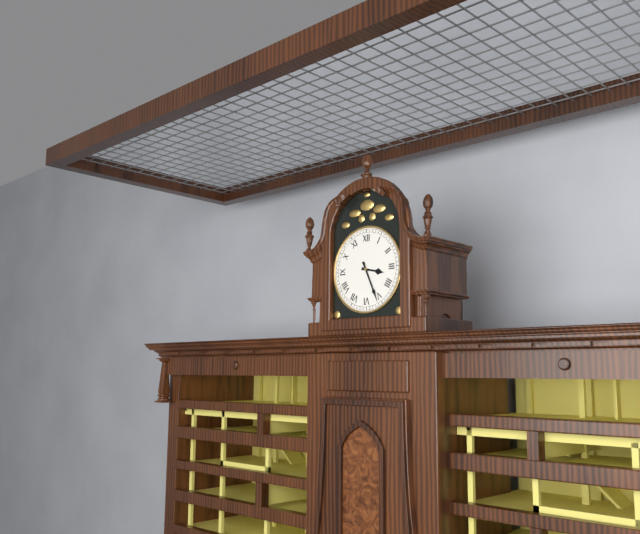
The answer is 3:26
